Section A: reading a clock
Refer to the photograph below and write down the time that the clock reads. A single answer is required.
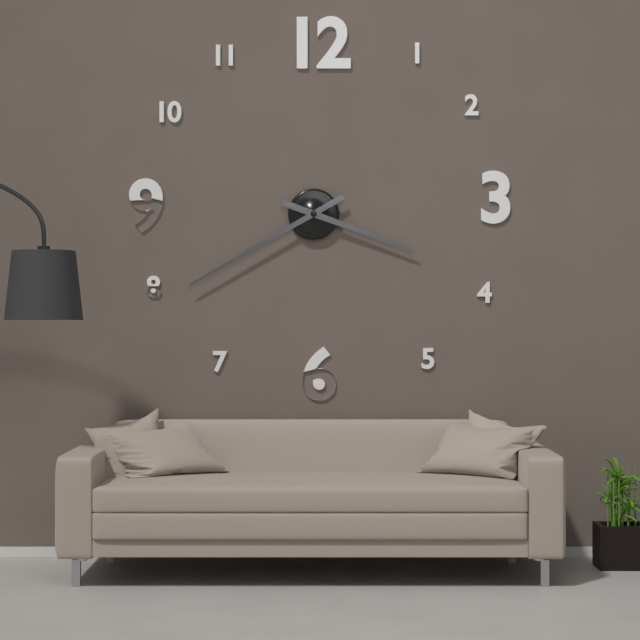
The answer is 3:40
